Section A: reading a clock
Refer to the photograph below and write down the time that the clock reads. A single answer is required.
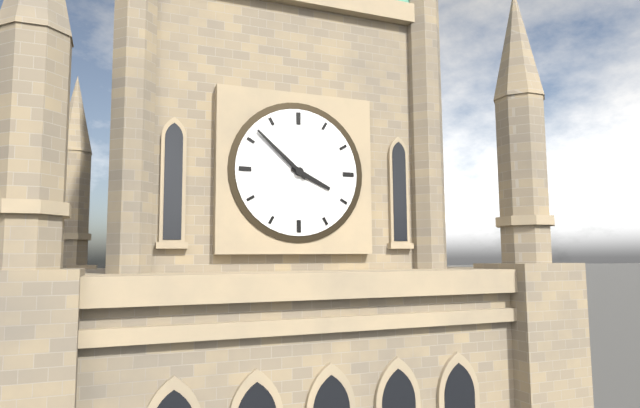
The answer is 3:52
